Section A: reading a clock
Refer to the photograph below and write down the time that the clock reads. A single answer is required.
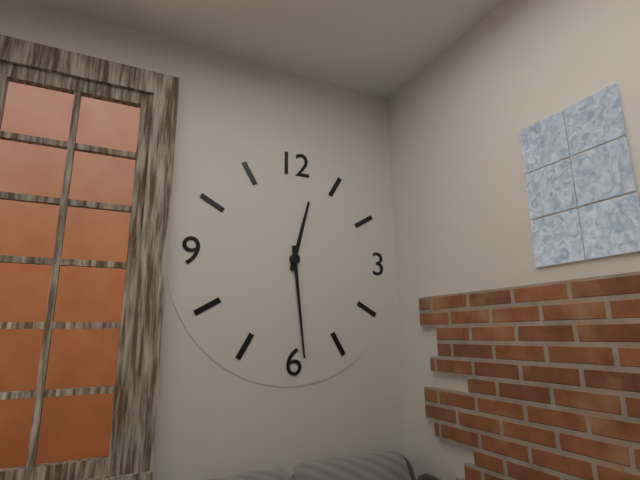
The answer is 12:29
